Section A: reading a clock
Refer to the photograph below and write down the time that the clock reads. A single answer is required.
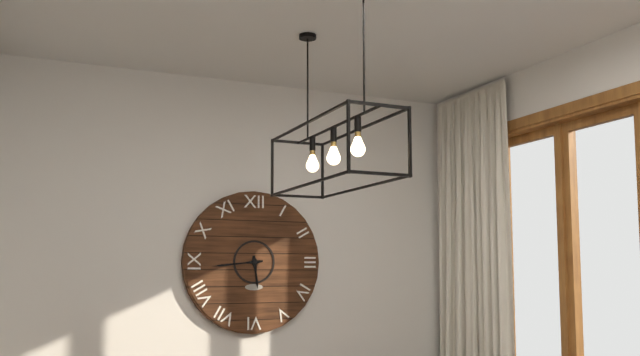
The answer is 5:44
